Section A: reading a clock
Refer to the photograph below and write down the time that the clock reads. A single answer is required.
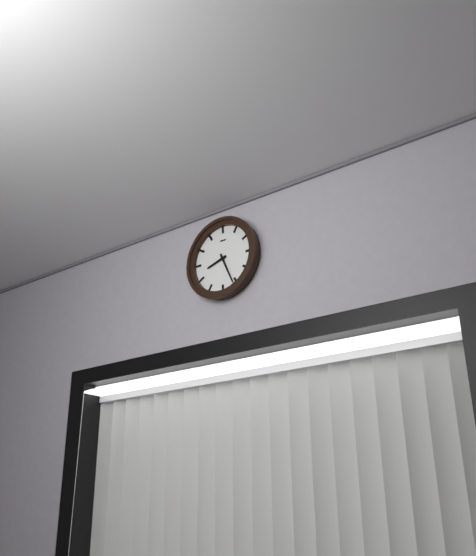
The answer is 8:26
